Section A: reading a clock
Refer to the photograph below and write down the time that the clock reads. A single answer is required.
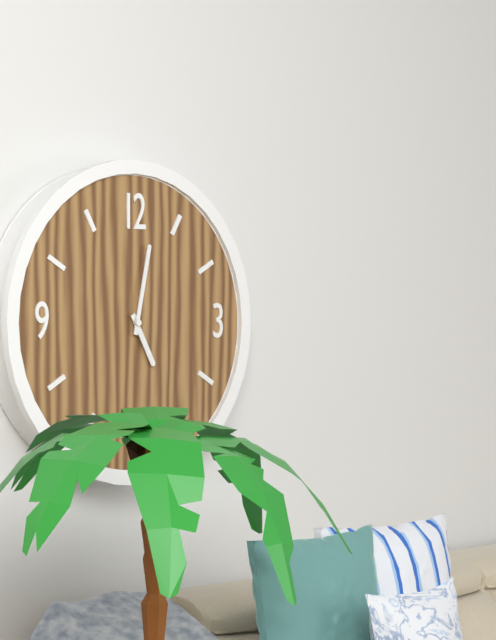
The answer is 5:02
